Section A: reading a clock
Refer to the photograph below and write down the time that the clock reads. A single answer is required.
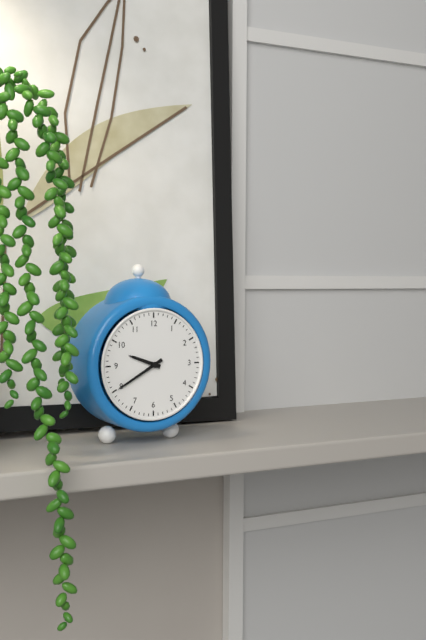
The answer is 9:40
